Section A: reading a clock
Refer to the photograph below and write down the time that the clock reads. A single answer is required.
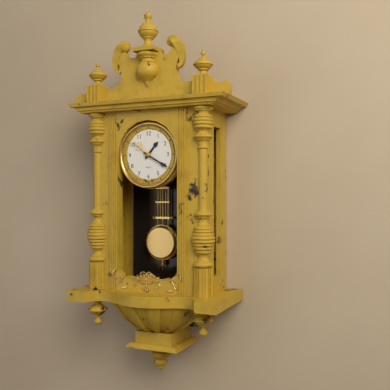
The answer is 1:20
